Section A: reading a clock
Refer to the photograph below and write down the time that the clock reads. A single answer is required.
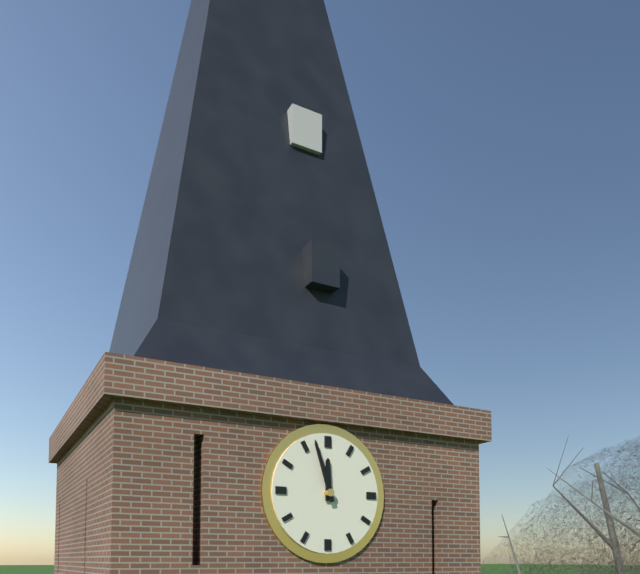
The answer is 11:57
